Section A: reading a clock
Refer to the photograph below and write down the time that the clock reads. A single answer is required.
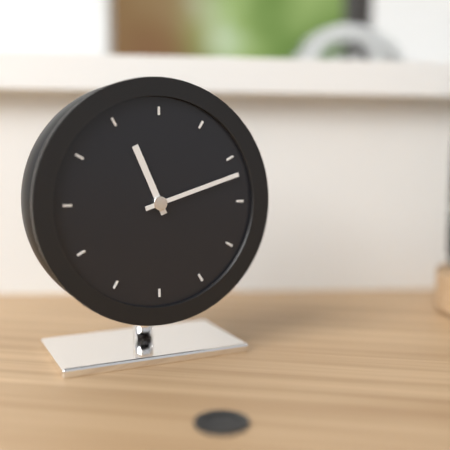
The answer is 11:12
